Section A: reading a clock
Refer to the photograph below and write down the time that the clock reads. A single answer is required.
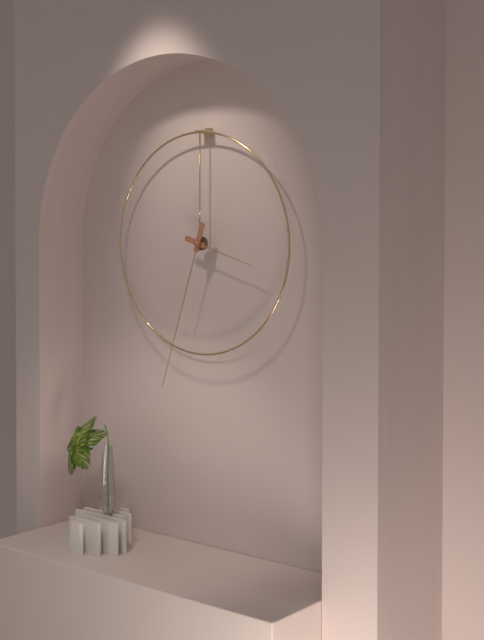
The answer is 3:33
